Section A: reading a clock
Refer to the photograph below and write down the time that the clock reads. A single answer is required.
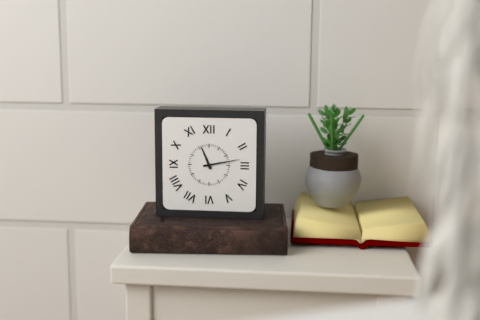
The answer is 11:13
